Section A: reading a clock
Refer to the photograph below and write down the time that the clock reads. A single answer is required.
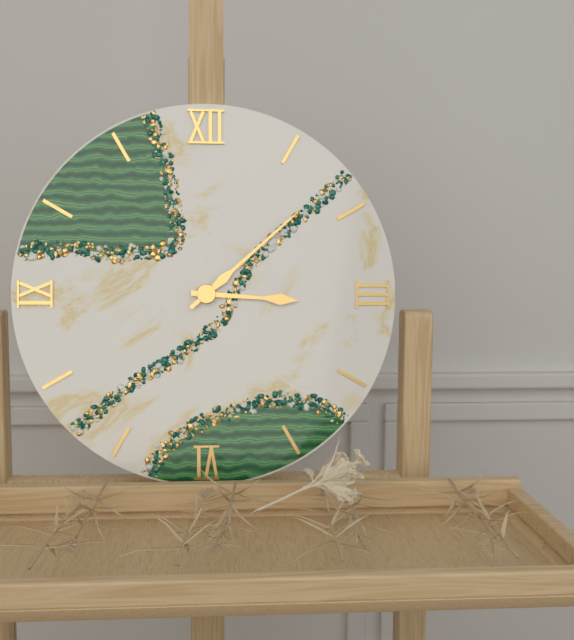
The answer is 3:08
